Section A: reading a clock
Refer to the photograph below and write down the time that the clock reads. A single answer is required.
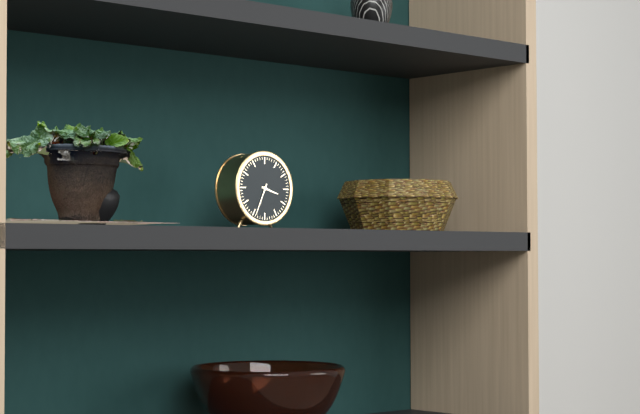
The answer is 3:34
